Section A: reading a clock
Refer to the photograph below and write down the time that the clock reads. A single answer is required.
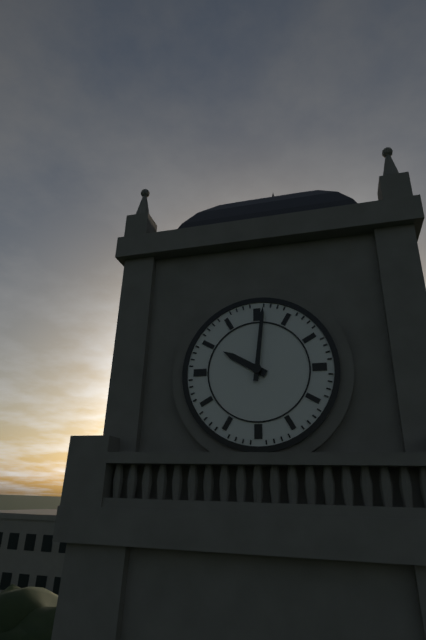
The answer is 10:01
